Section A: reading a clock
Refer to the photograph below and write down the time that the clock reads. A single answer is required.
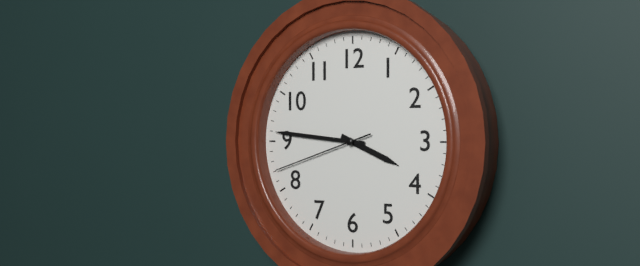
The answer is 3:46:42
